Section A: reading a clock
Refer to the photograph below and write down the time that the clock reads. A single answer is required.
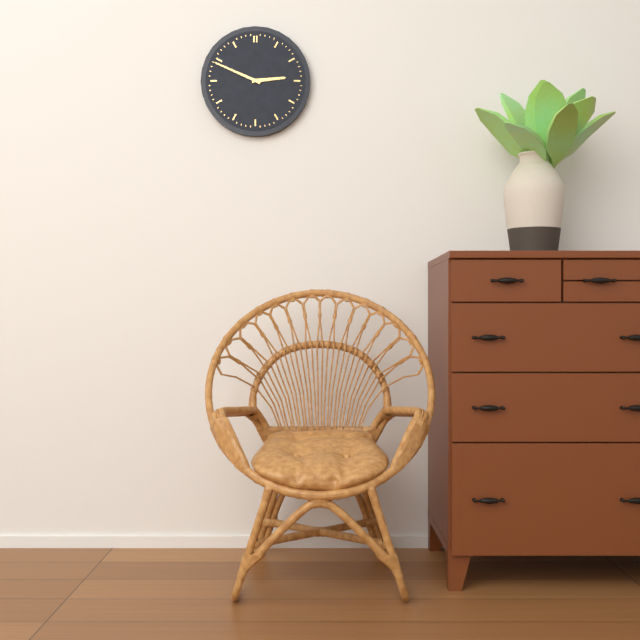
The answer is 2:49
